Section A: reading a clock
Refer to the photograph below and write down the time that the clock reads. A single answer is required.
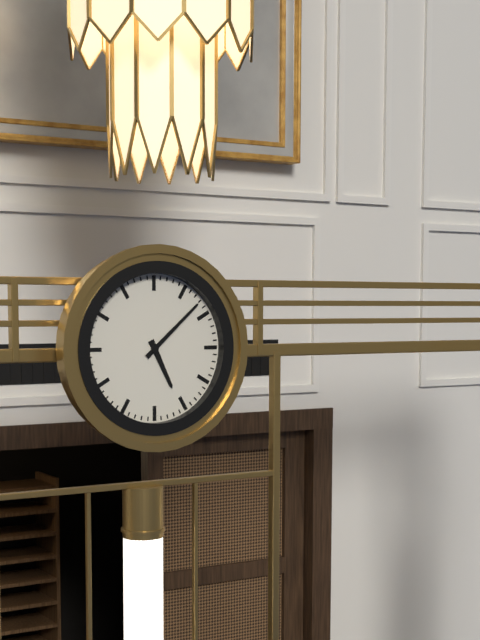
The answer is 5:08
